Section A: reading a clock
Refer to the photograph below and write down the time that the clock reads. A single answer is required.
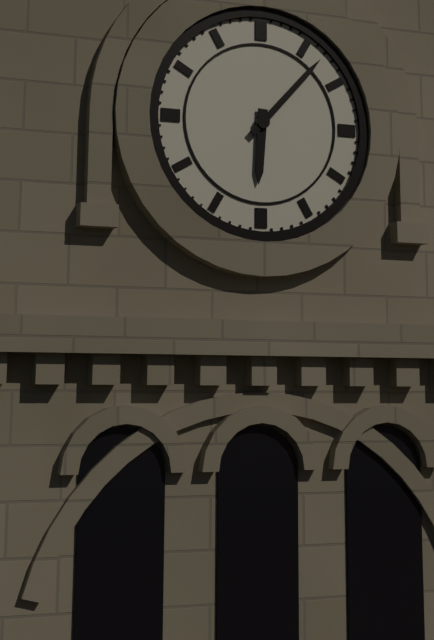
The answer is 6:07
